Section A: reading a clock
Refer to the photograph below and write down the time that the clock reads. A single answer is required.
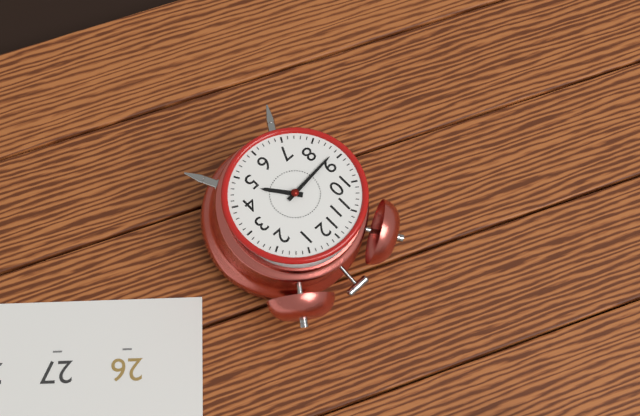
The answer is 4:44
